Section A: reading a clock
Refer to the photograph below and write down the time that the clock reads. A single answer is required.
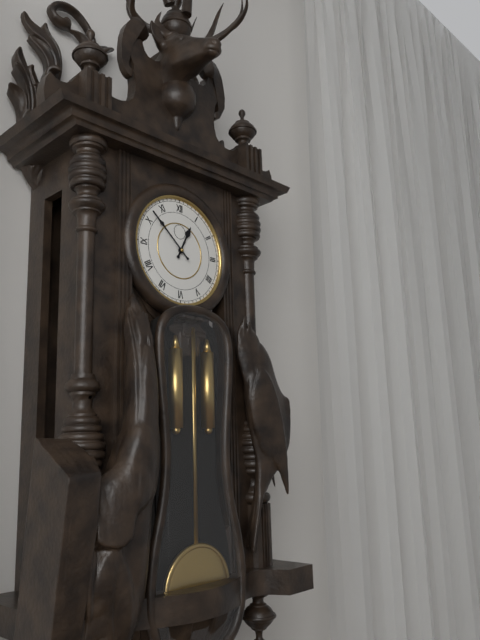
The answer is 12:52
